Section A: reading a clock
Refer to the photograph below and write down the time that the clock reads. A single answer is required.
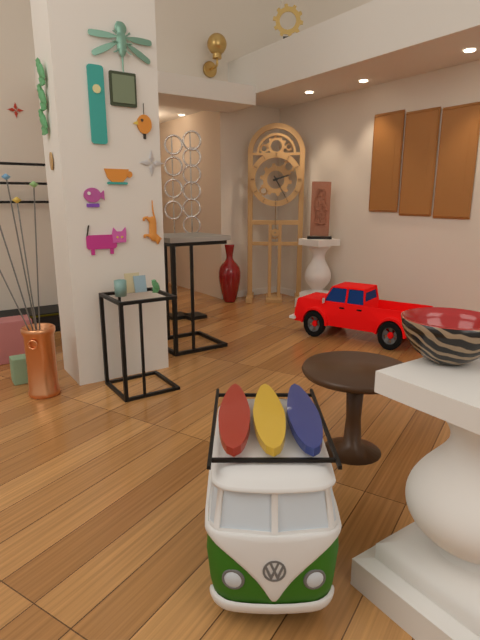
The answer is 2:25
